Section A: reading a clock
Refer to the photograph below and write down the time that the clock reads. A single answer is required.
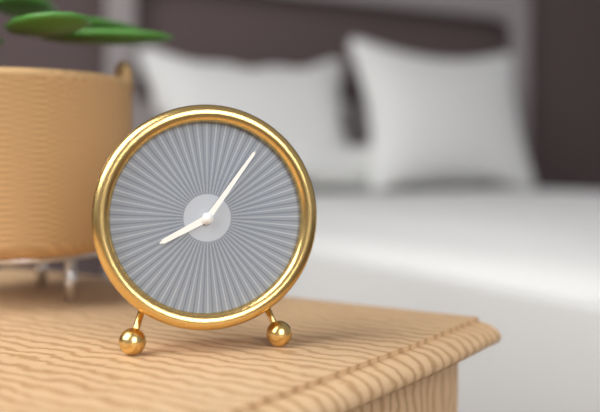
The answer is 8:06
